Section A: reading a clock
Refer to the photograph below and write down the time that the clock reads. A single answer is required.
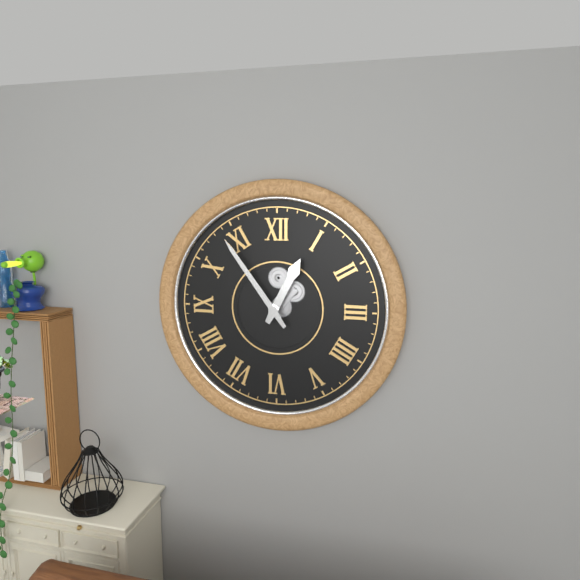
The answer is 12:54
